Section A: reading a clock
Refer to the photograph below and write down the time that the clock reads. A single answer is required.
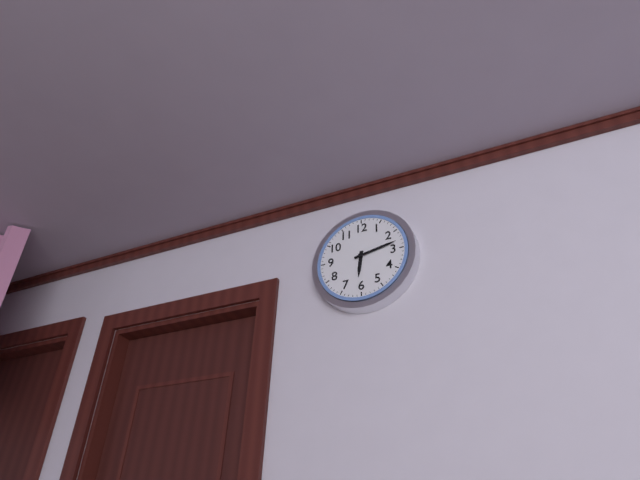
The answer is 6:13
